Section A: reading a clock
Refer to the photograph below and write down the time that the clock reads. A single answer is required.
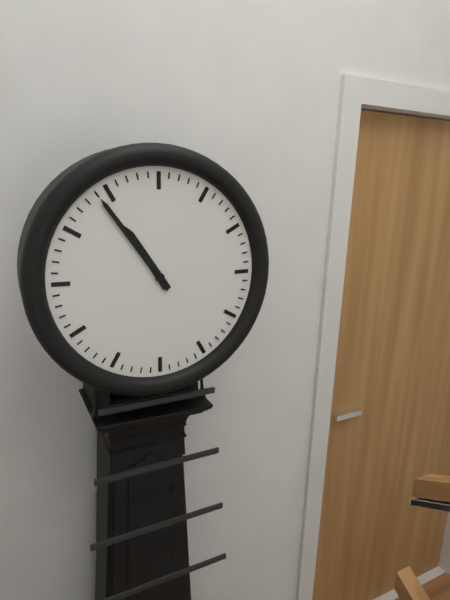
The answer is 10:54
